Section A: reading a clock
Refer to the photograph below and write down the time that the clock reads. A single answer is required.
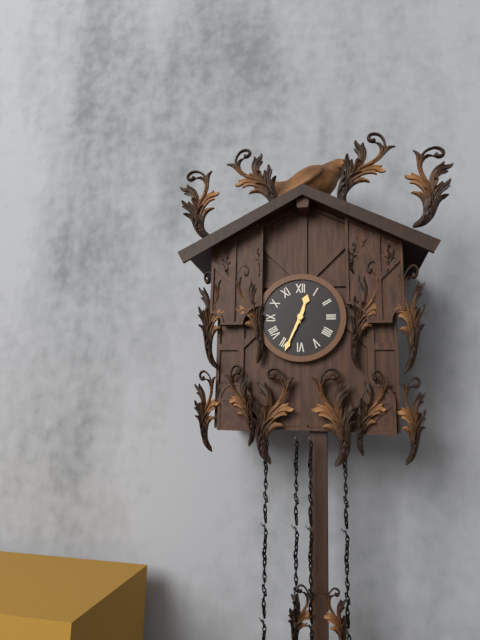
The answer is 12:34
